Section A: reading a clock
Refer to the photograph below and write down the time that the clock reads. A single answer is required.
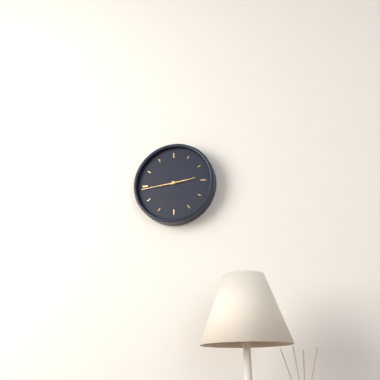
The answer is 2:44
